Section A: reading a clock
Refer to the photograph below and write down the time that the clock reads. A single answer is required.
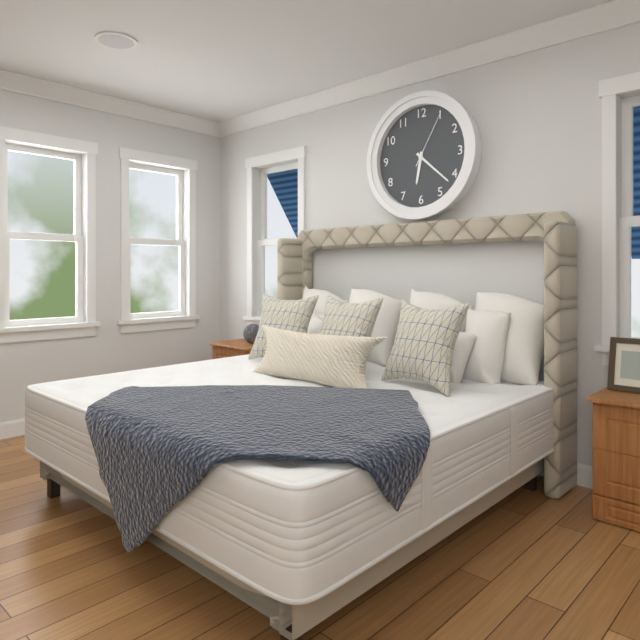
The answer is 6:22:05
